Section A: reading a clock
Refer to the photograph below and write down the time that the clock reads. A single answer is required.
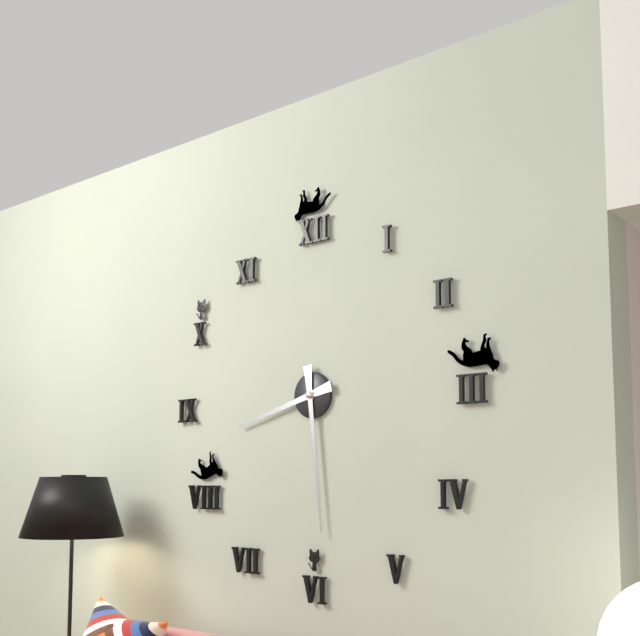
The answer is 8:29
